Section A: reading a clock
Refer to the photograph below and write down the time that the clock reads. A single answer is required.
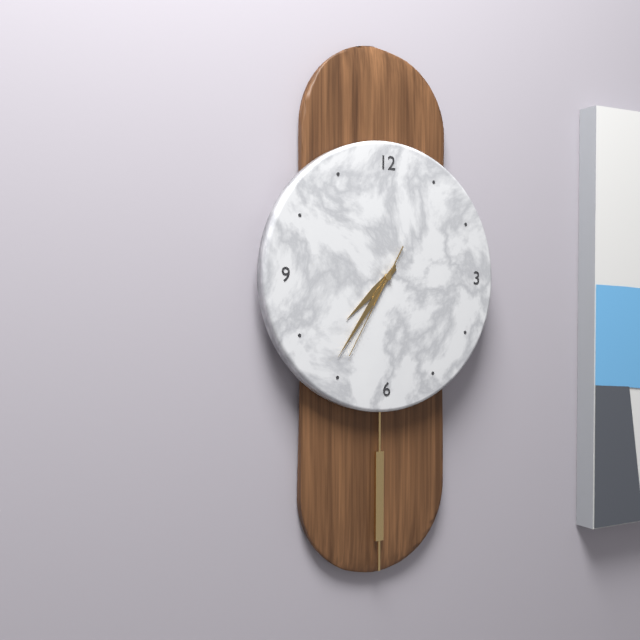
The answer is 7:36:35
